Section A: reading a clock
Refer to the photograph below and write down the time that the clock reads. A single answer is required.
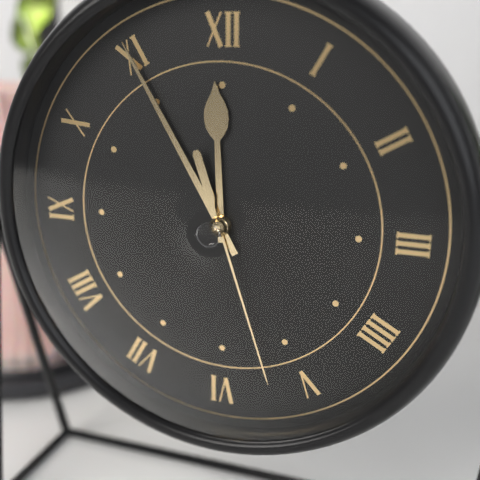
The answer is 11:55:27
